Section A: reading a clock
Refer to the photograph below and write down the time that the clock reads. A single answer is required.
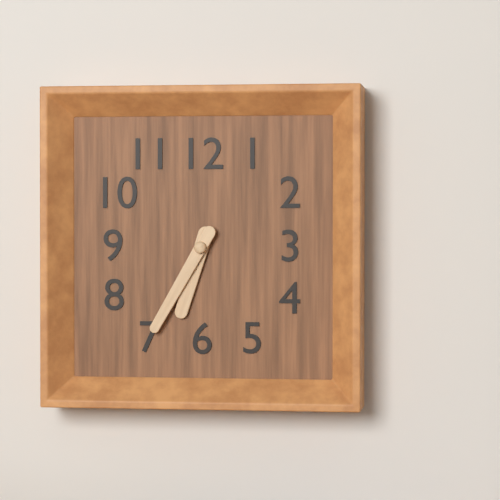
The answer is 6:35
